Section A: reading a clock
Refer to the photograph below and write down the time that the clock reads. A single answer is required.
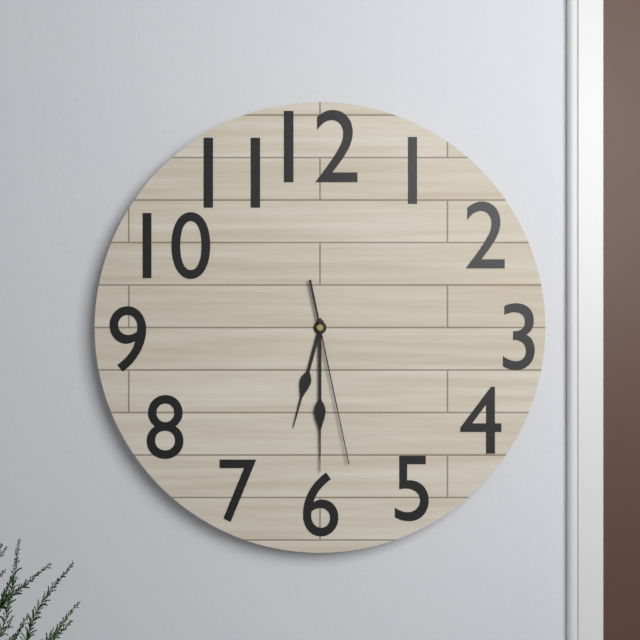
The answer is 6:30:28
